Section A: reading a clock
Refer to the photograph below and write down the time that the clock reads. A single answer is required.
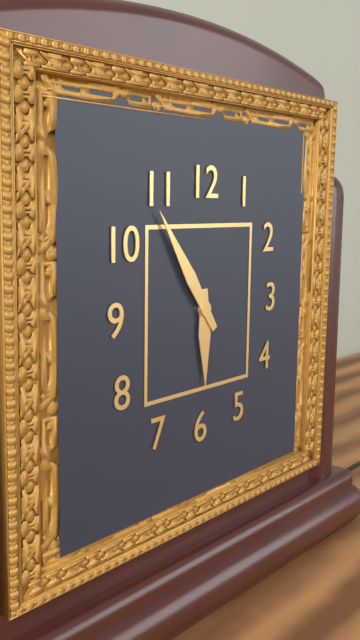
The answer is 5:54
